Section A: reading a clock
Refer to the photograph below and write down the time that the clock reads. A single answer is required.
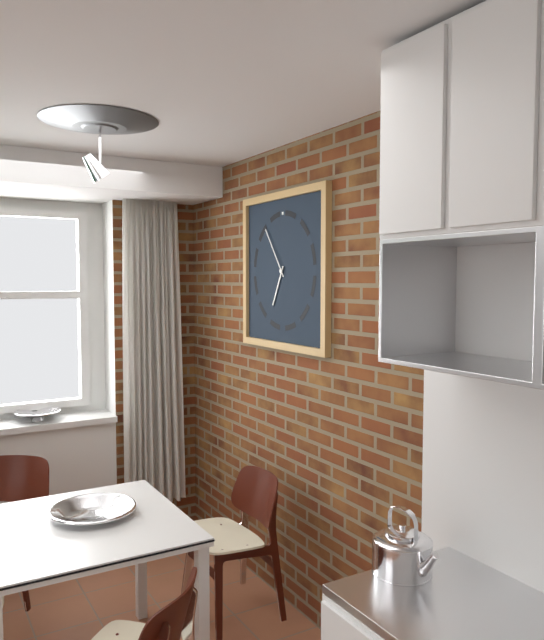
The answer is 6:54
